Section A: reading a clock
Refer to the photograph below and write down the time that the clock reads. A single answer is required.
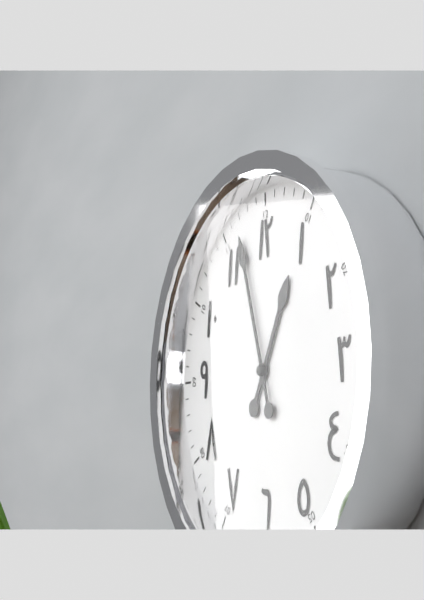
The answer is 12:57
